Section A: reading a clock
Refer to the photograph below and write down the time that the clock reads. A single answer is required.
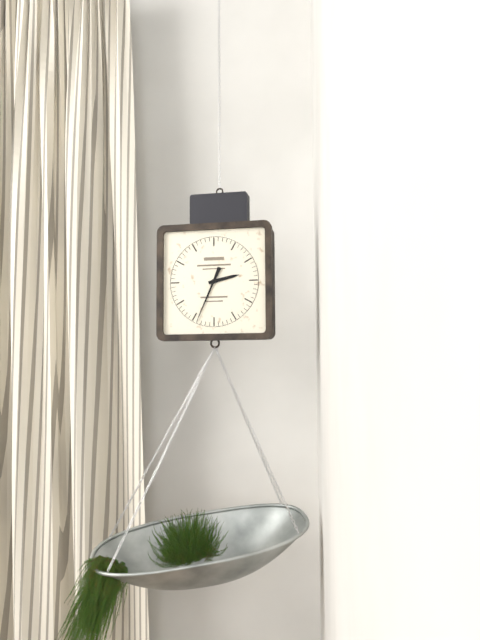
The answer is 2:34
